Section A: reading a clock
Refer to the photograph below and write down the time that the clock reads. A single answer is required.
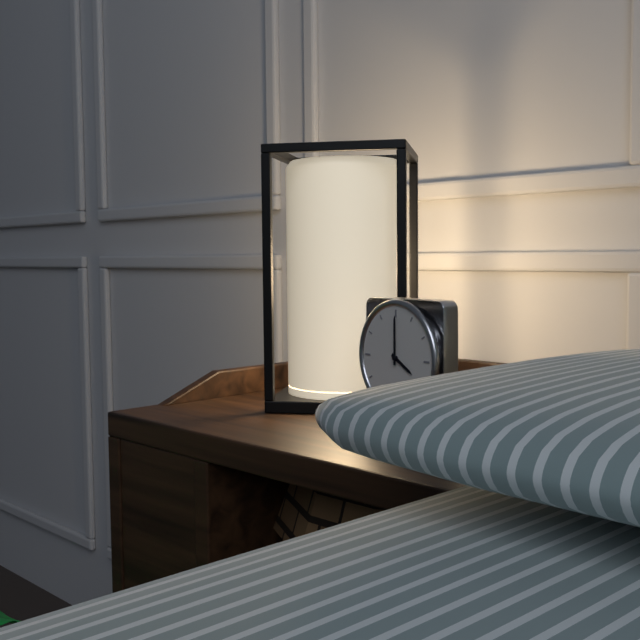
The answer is 4:00
